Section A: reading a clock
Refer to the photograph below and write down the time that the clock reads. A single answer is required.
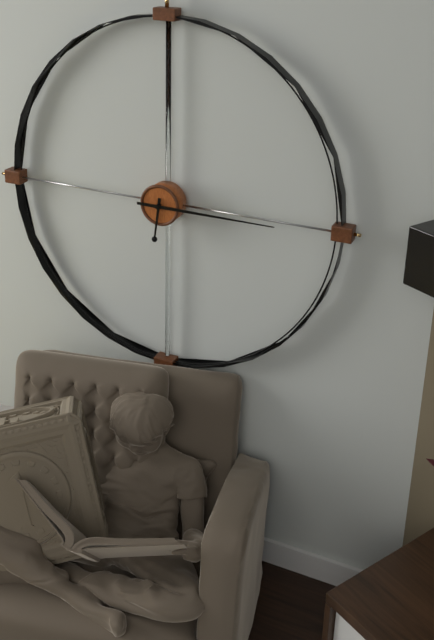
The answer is 6:15
